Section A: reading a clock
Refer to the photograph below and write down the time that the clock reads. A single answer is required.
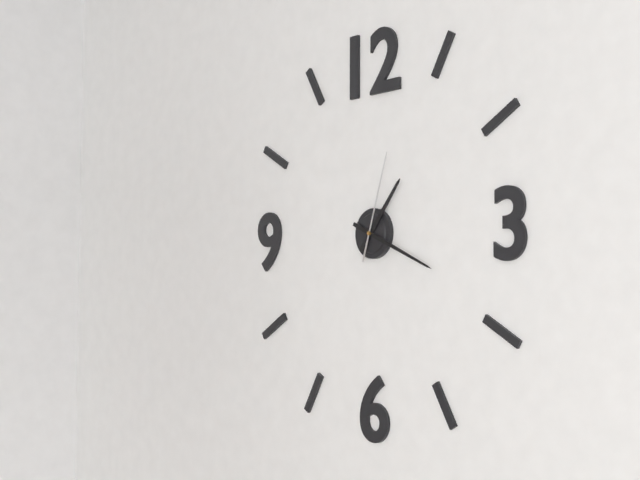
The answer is 1:19:03
